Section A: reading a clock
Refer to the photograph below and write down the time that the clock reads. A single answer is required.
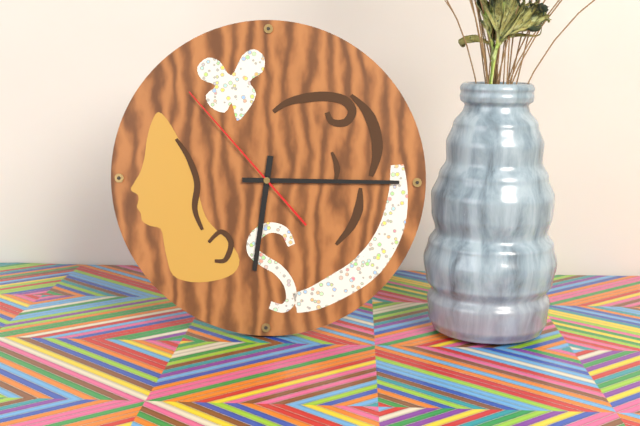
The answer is 6:15:53
